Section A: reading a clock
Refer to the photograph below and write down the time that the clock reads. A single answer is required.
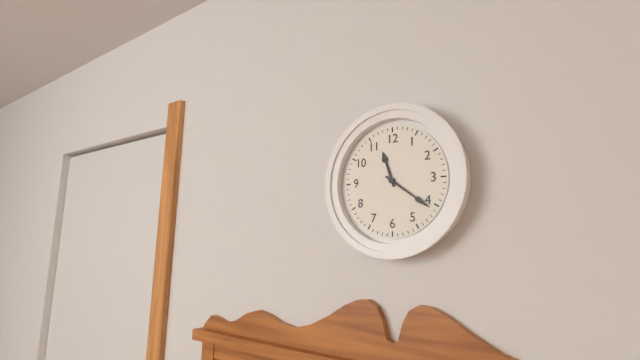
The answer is 11:21
